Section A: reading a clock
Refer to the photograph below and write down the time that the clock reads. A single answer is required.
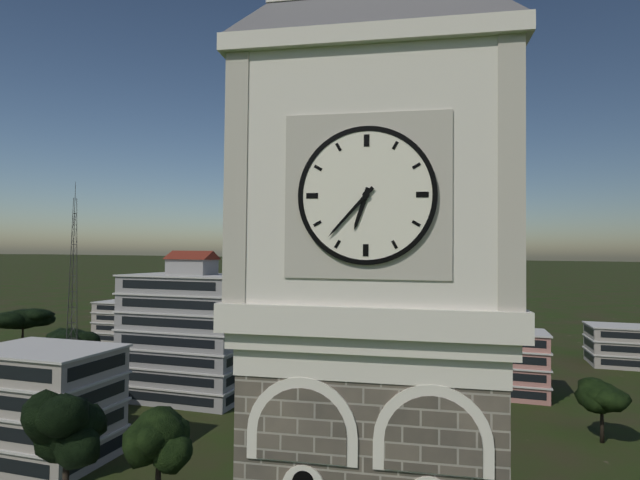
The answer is 6:37
